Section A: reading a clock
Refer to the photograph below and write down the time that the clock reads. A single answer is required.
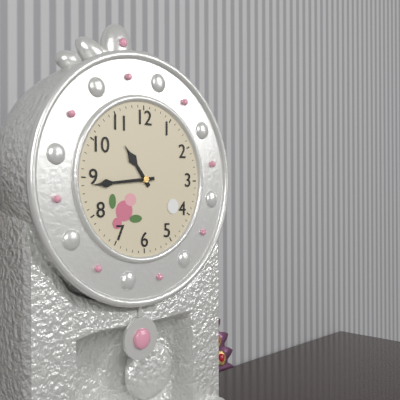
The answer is 10:44
